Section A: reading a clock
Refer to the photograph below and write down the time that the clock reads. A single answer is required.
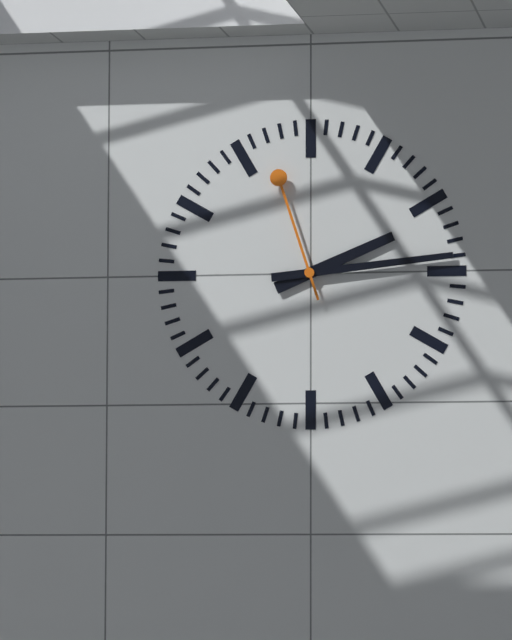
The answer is 2:14:57
